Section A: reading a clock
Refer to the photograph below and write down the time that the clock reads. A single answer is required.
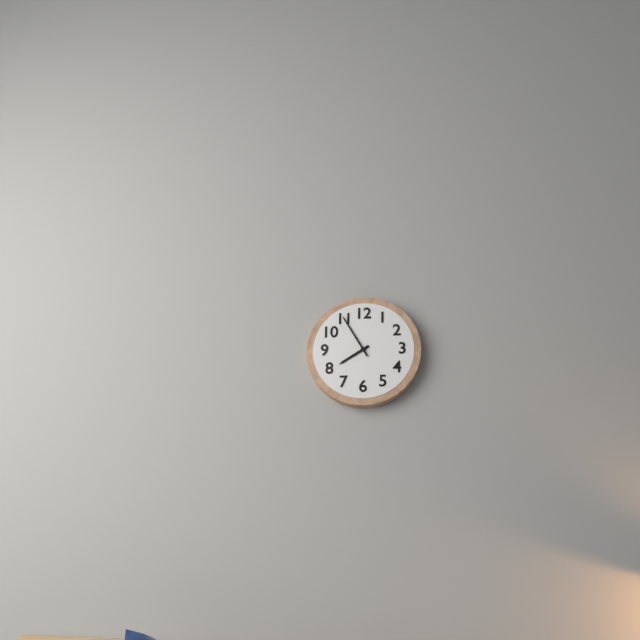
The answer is 7:55
